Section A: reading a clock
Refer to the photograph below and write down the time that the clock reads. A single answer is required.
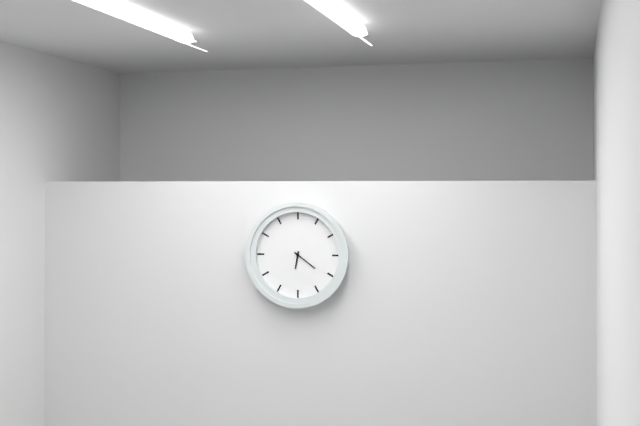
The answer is 6:21
